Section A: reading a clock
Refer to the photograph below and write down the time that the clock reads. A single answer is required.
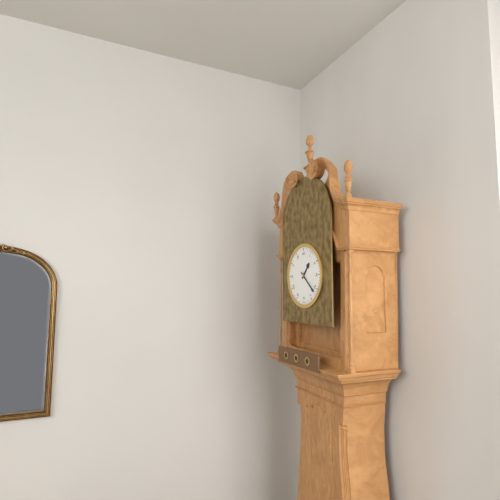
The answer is 1:22
